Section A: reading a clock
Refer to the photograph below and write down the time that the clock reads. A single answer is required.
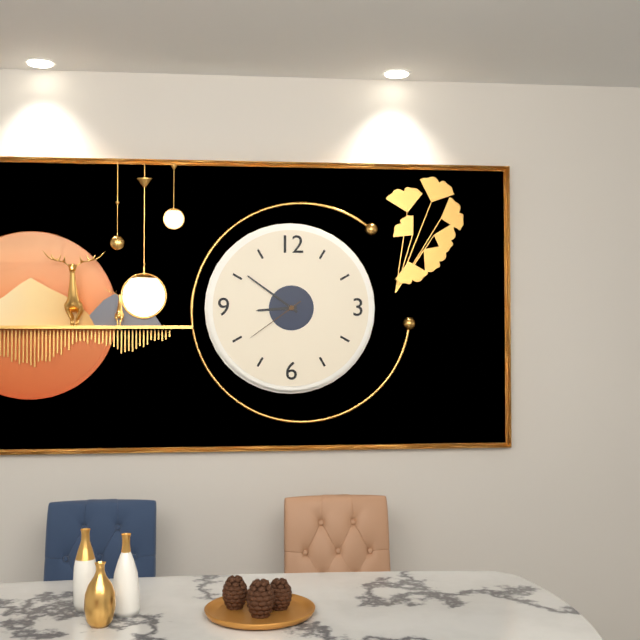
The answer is 8:51:39
